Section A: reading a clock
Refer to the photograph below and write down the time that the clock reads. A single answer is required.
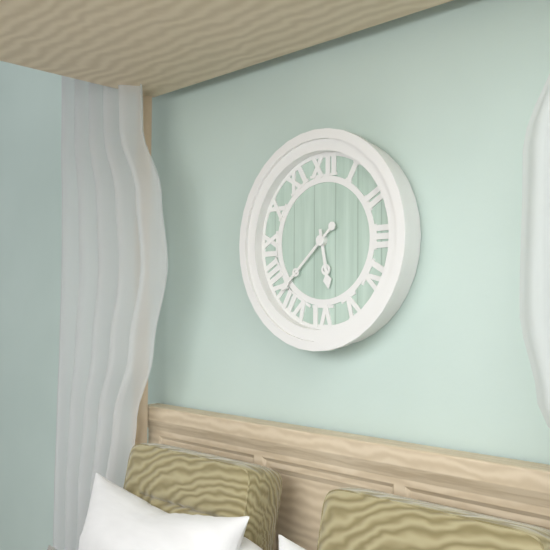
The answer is 5:38
